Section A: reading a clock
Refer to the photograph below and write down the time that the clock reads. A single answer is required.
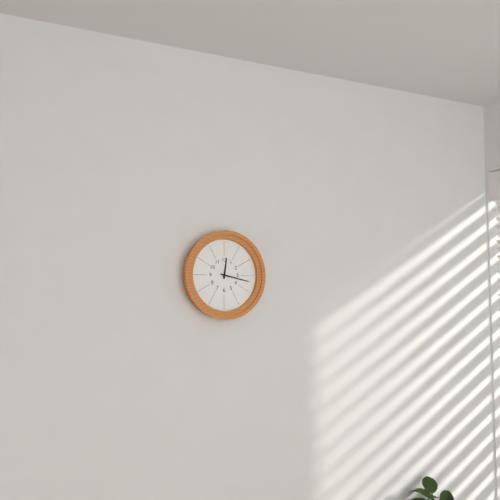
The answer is 12:17
